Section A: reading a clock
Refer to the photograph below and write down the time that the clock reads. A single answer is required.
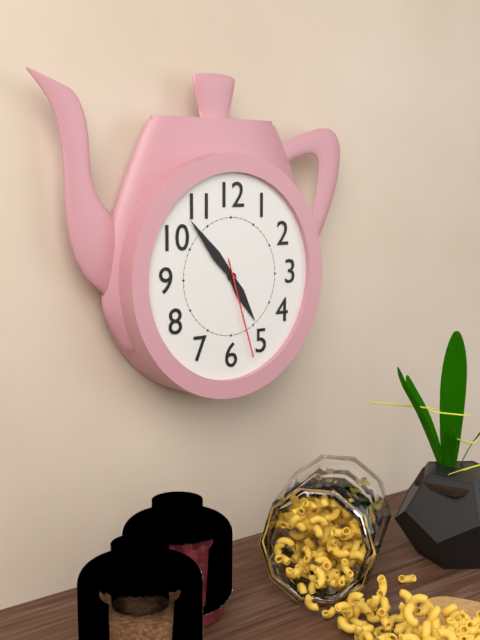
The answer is 4:53:27
